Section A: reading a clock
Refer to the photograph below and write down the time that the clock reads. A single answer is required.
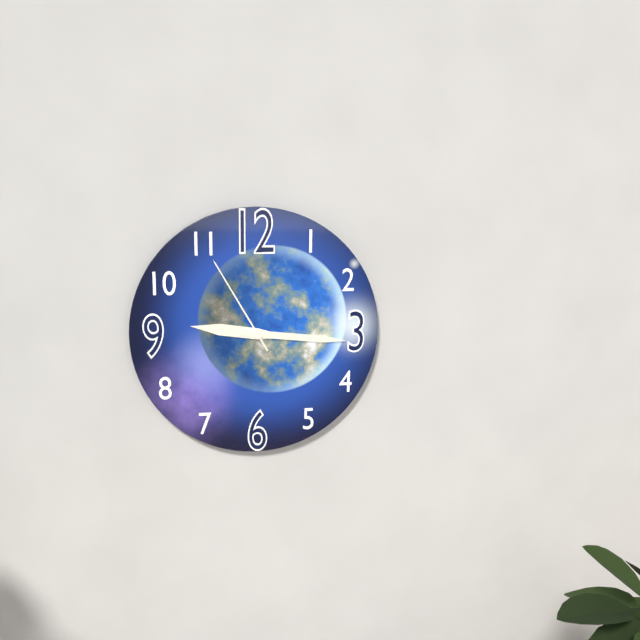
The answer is 9:16:55
